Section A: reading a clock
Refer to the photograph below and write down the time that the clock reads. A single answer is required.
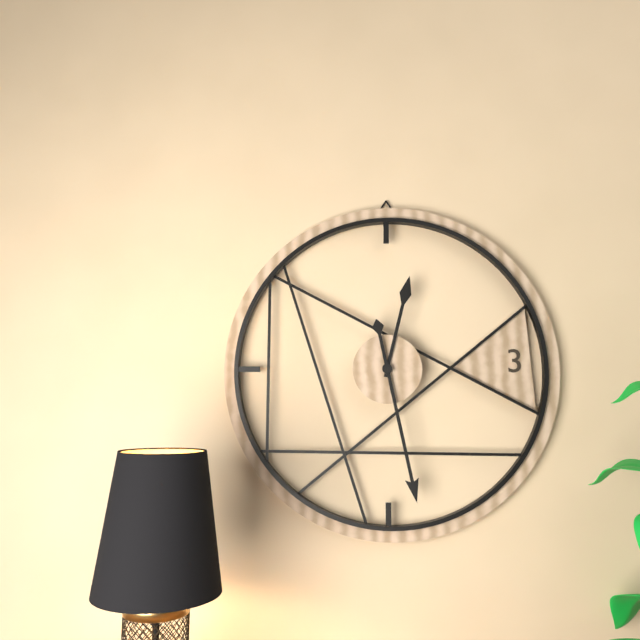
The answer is 12:28
